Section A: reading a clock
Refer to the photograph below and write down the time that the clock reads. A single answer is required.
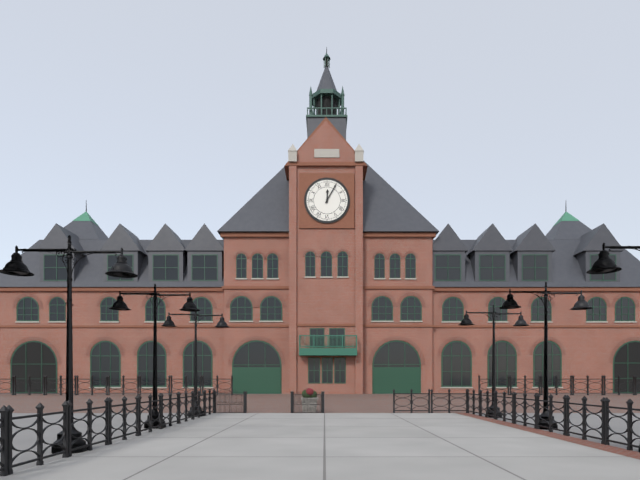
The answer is 12:05
